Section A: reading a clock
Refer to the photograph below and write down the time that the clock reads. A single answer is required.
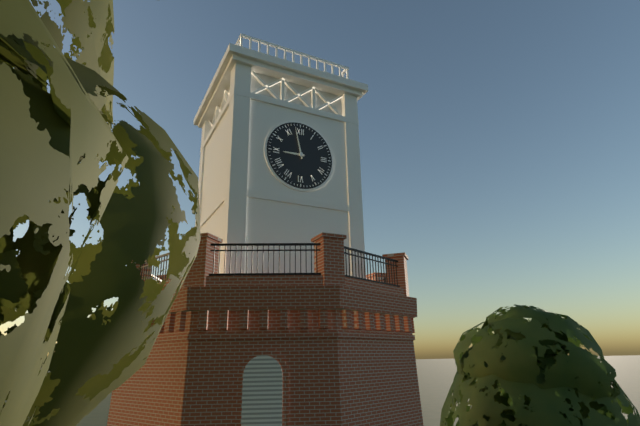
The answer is 8:58
